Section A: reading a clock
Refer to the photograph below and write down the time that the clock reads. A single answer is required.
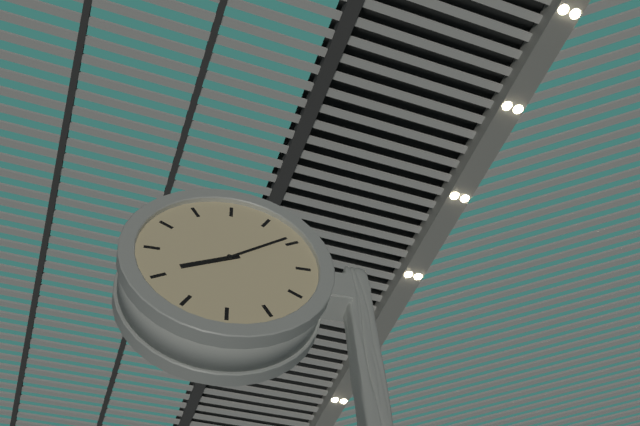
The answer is 8:09
